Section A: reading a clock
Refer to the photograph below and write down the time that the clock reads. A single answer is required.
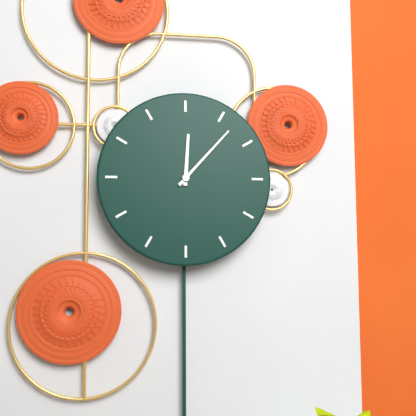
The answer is 12:07
